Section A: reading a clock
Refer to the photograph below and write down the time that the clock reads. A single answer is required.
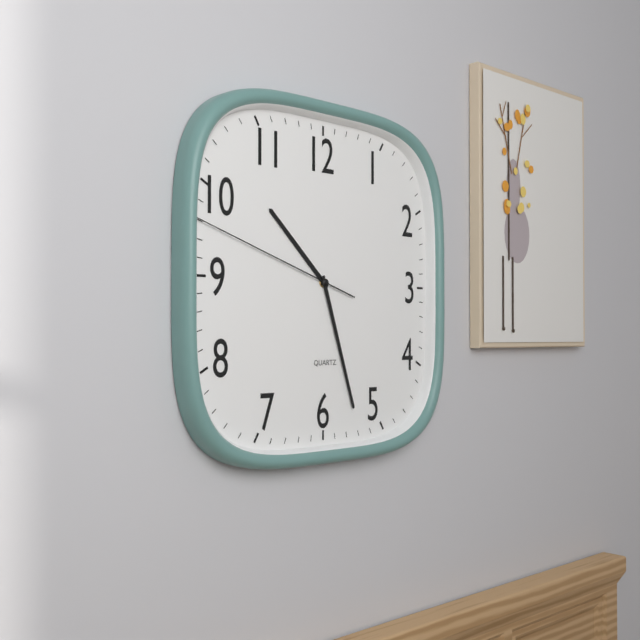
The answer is 10:27:48
